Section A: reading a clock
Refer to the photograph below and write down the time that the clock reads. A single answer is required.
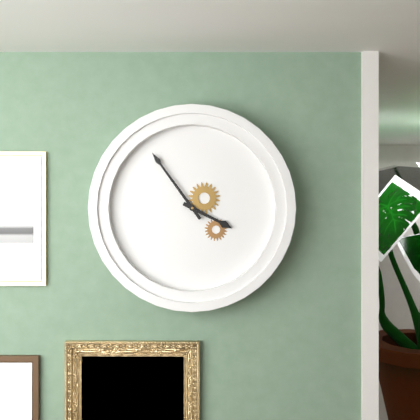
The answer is 3:54
